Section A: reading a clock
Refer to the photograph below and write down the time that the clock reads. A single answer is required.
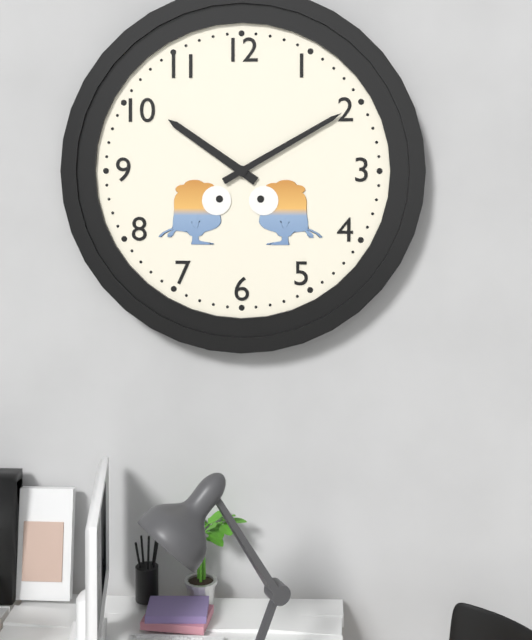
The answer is 10:10
